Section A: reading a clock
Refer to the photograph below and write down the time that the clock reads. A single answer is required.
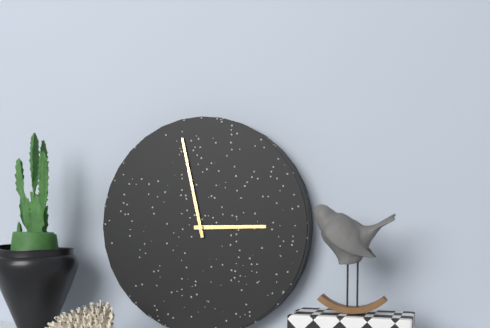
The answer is 2:58
